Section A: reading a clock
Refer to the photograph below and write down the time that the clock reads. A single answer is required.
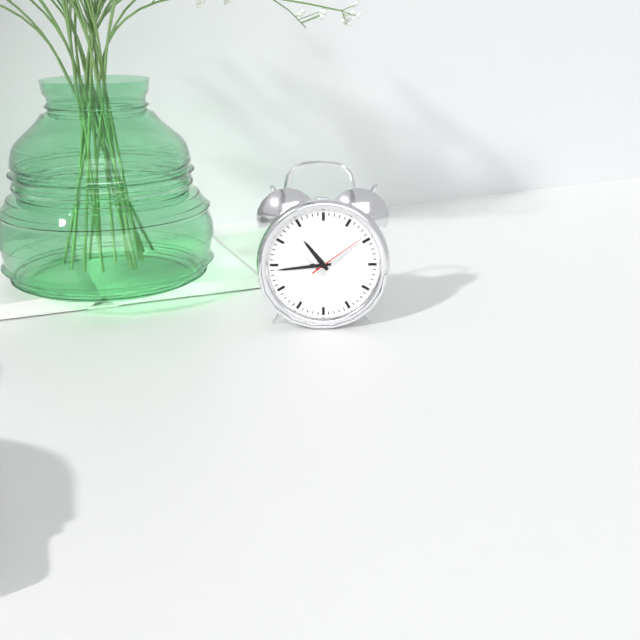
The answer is 10:44:09
